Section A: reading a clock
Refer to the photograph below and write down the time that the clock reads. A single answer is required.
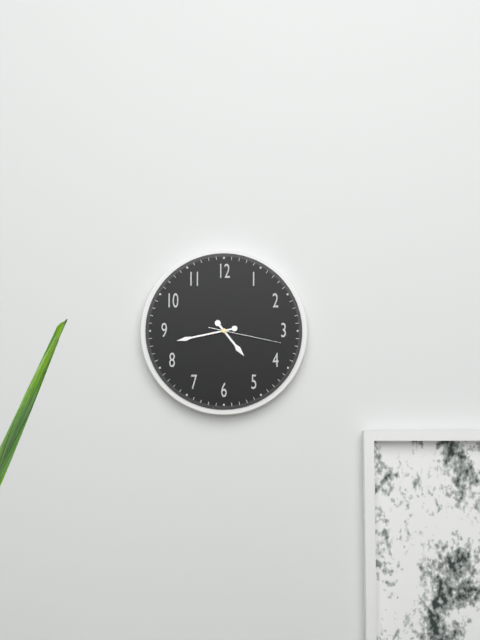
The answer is 4:43:17
